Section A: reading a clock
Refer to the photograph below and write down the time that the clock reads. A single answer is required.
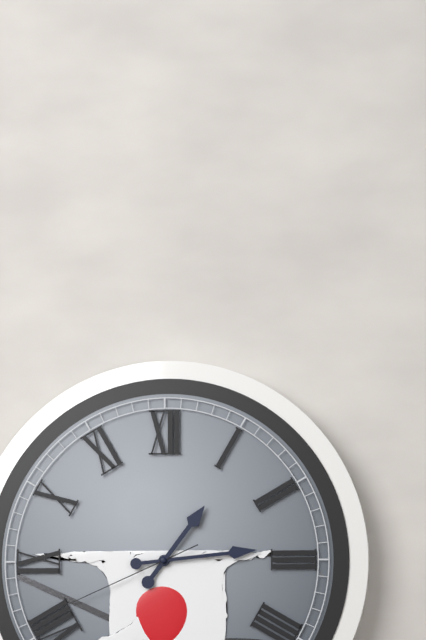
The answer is 1:14:41
